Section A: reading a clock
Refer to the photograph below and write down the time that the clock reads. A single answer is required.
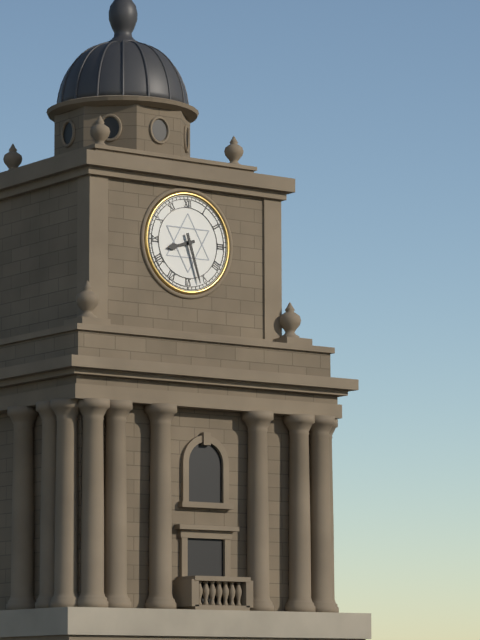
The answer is 8:27
